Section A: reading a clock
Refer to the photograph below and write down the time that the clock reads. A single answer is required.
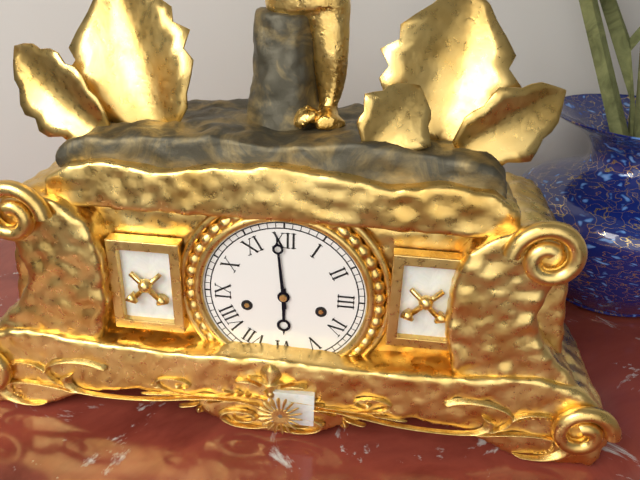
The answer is 5:59
